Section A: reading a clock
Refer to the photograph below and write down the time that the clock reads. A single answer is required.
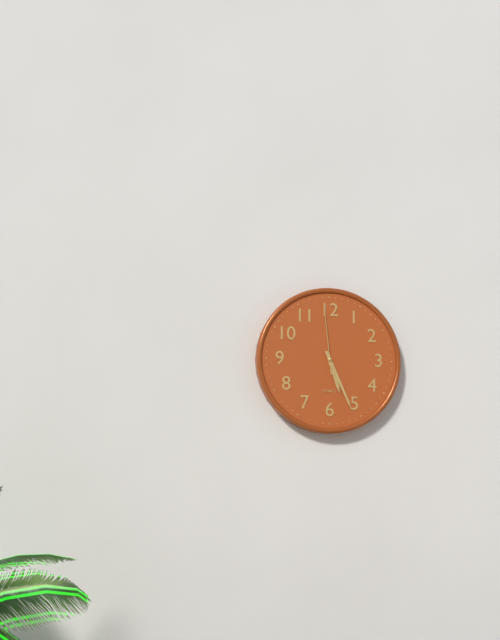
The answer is 5:26:59
